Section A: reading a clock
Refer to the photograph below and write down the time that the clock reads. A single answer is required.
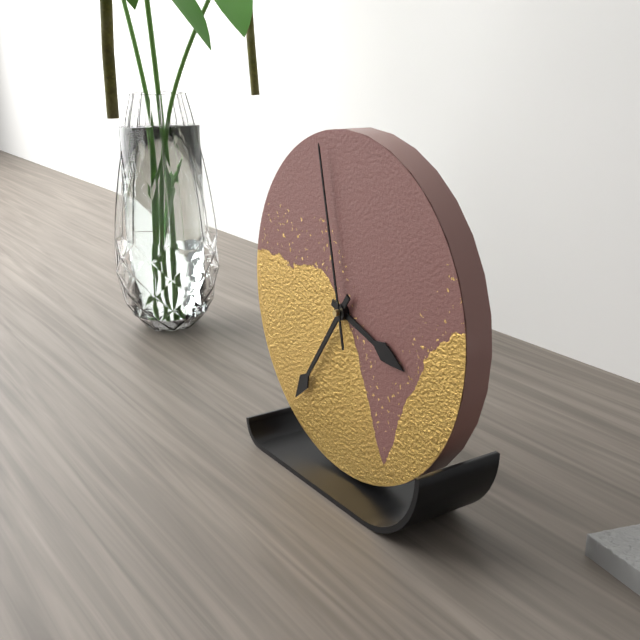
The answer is 3:36:58
